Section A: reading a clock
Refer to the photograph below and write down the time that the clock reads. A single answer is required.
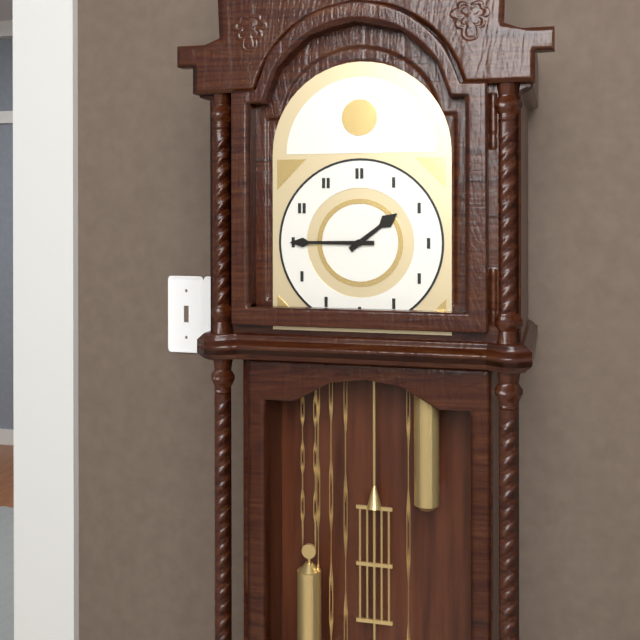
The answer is 1:45
